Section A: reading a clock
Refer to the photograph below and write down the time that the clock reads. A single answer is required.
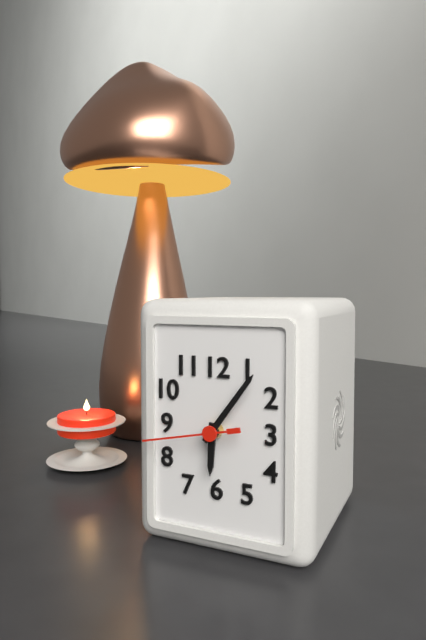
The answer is 6:06:43
